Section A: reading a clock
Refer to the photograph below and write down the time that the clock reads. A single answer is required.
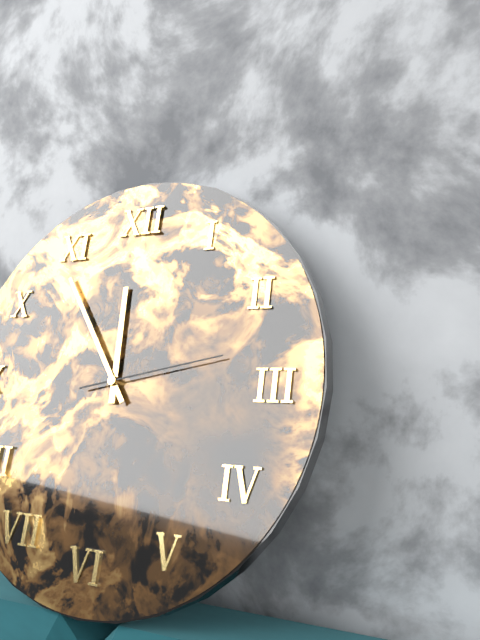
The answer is 11:54:13
